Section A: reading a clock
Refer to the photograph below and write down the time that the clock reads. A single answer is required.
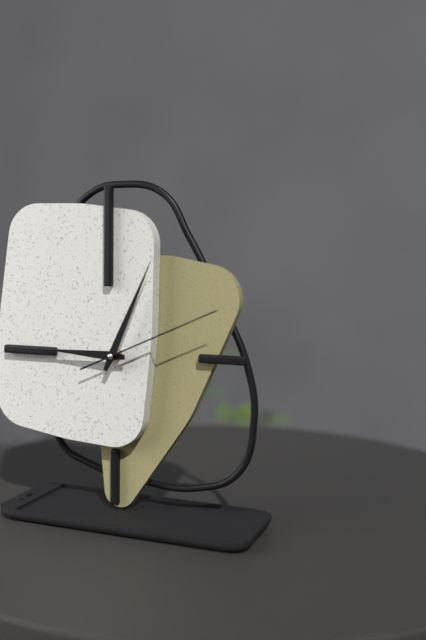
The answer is 9:04:11
